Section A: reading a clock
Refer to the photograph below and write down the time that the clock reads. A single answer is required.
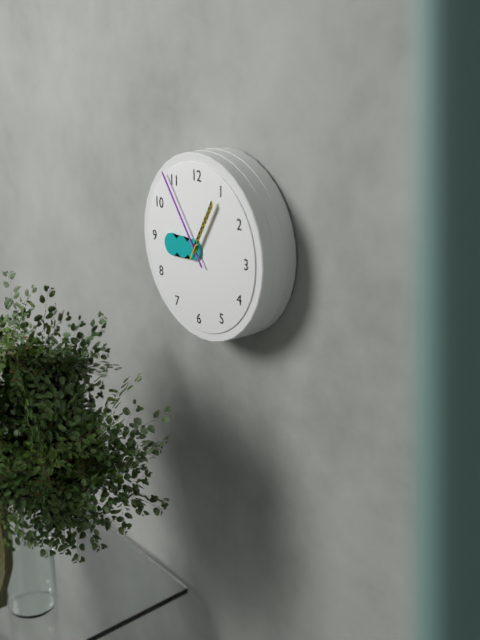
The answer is 8:54:05
